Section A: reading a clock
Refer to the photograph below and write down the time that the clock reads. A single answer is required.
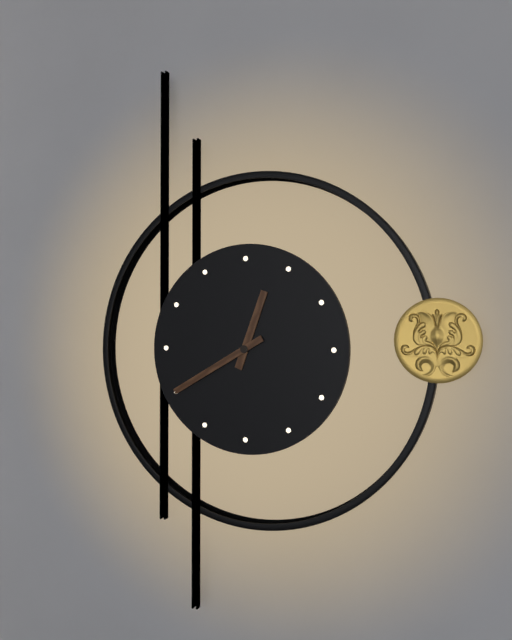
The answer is 12:40
